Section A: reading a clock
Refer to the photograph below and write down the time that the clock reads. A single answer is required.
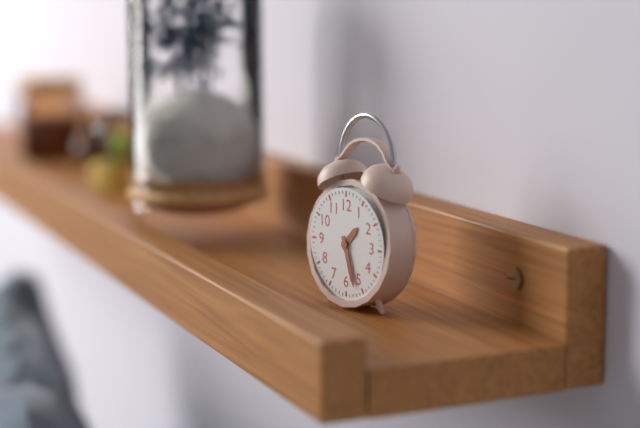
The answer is 1:27
